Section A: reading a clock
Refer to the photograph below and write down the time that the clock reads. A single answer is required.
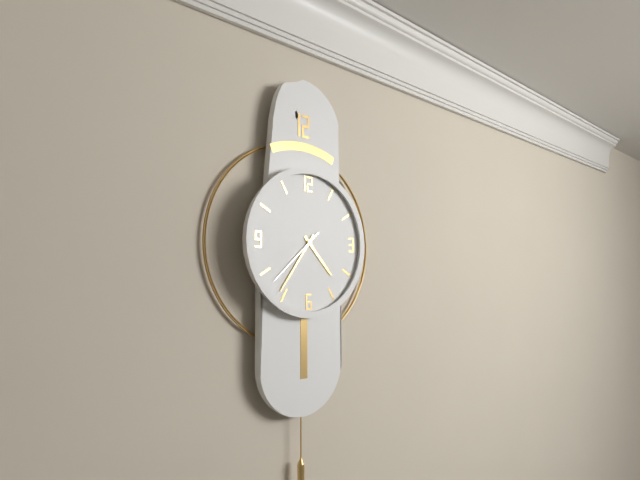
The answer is 4:36:38
